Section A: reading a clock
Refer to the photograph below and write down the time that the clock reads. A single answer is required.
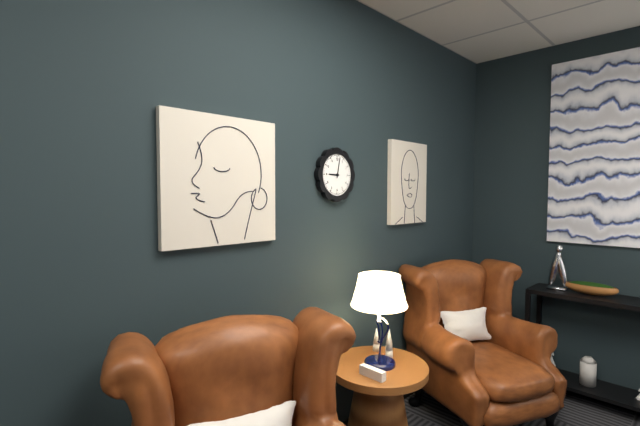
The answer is 9:02
